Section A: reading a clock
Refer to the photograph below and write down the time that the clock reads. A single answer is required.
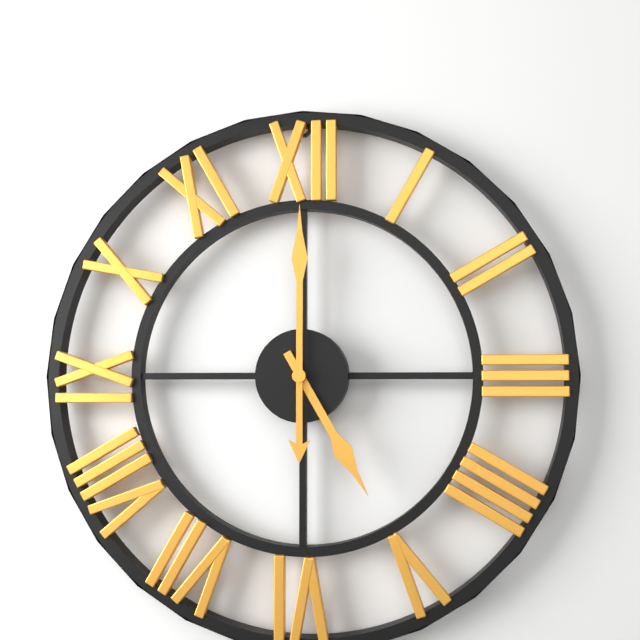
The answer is 5:00
